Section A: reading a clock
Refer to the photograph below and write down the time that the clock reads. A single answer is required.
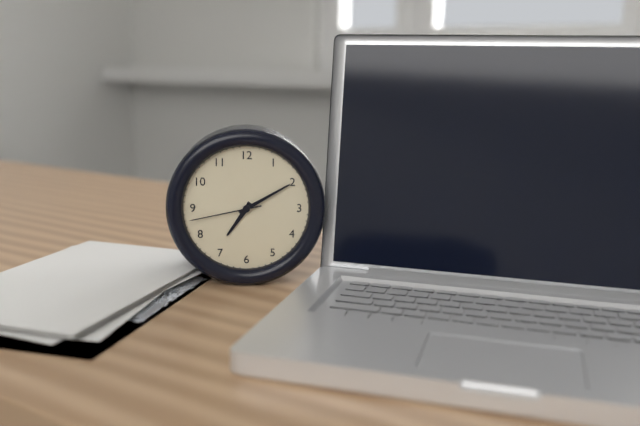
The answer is 7:10:43
